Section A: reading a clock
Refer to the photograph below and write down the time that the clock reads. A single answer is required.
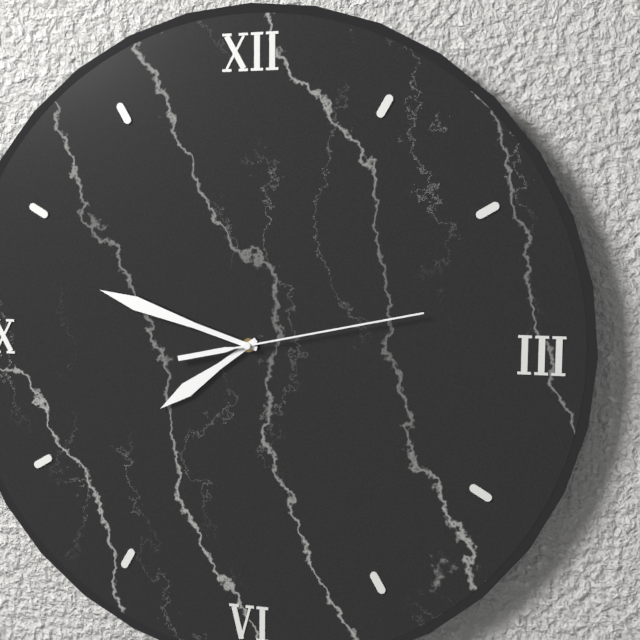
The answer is 7:48:13
